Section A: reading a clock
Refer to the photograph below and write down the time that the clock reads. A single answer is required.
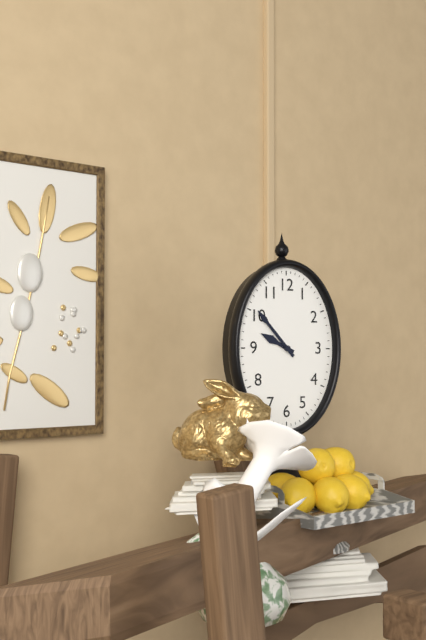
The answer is 9:53
